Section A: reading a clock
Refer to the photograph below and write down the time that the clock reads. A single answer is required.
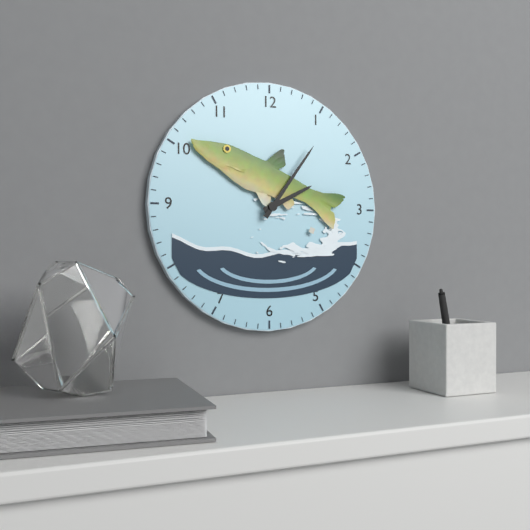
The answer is 2:06
